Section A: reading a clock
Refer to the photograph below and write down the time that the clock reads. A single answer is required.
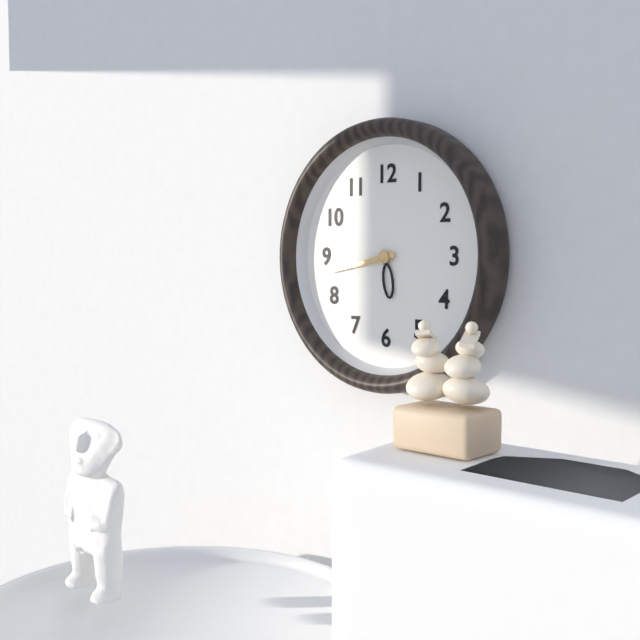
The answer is 5:43
